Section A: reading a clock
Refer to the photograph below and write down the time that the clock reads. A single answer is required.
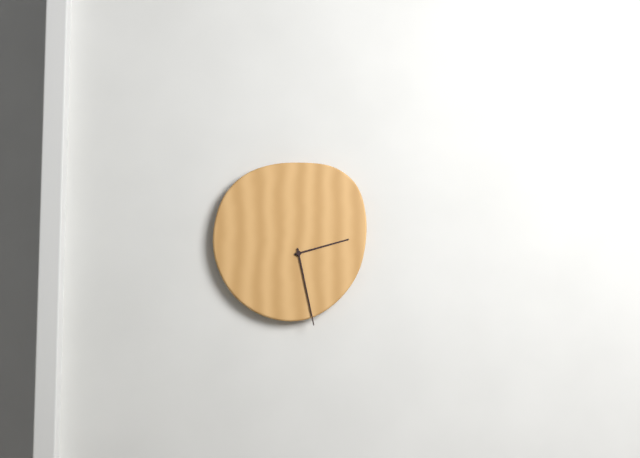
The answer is 2:28
